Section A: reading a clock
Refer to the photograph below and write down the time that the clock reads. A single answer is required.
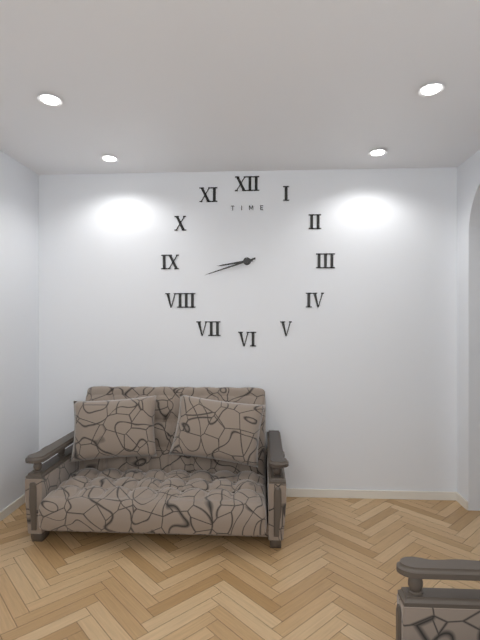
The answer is 8:42
